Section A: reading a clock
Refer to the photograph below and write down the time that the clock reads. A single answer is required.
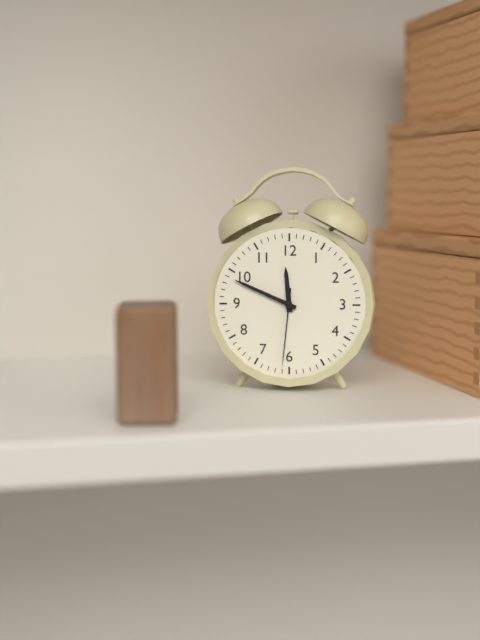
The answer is 11:49:31
